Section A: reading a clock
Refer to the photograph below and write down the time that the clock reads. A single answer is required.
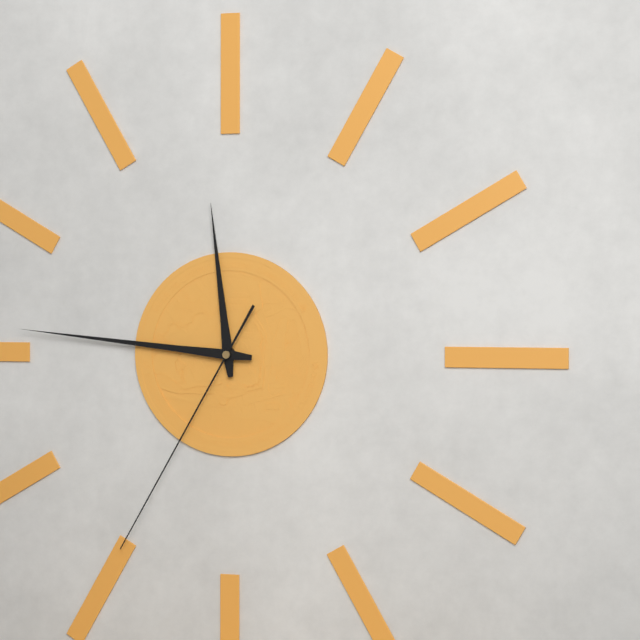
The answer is 11:46:35
